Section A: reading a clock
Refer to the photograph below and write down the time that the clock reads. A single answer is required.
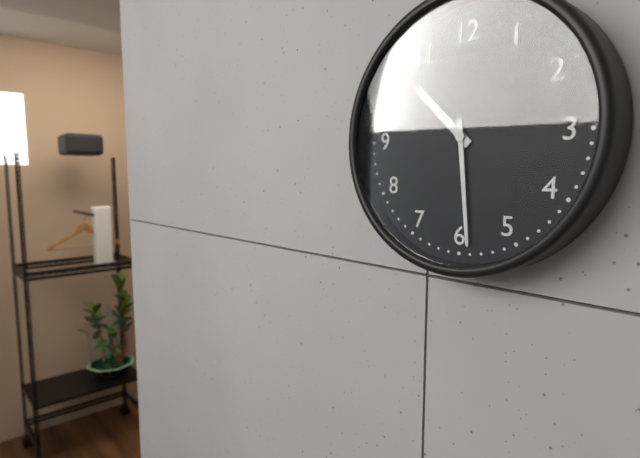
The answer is 10:29
